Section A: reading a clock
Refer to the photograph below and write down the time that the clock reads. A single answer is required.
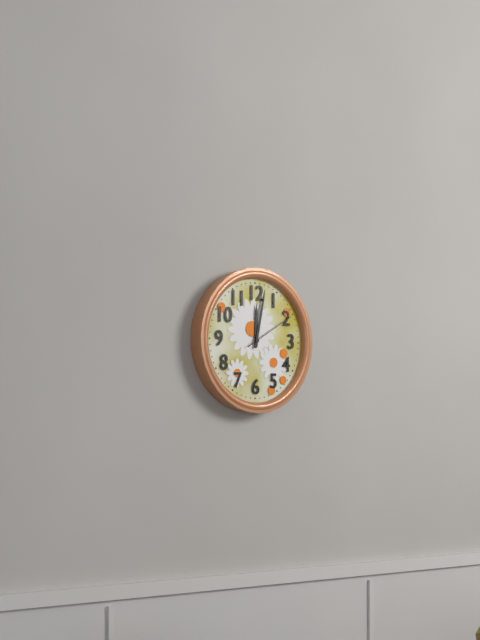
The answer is 12:02:10
